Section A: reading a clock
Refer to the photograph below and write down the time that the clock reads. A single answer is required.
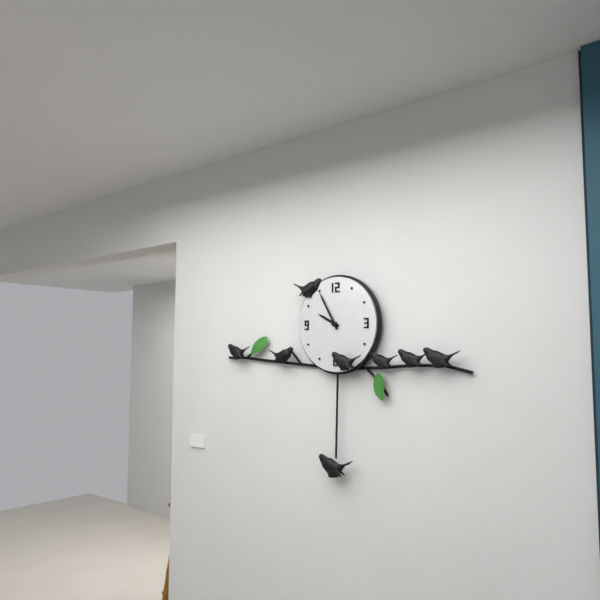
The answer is 9:55
